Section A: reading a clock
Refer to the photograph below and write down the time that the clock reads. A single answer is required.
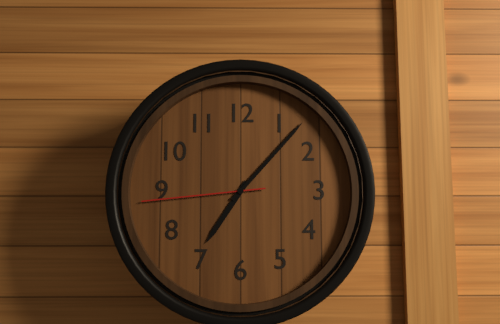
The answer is 7:07:44
